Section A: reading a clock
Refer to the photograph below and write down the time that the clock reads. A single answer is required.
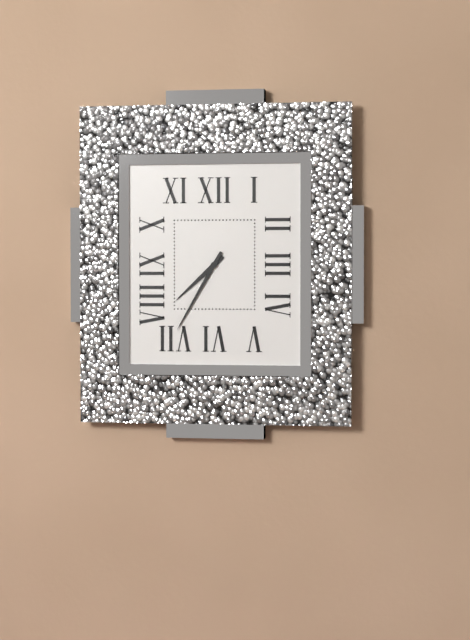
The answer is 7:35
